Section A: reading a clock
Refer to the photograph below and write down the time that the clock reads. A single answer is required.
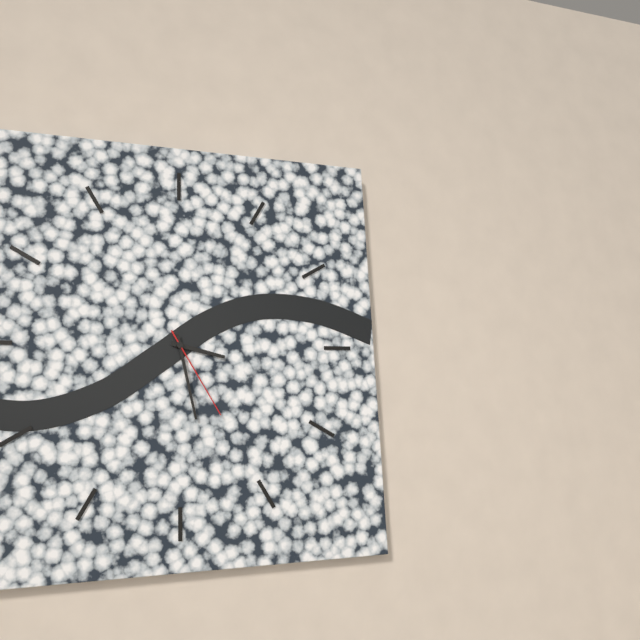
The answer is 3:28:25
